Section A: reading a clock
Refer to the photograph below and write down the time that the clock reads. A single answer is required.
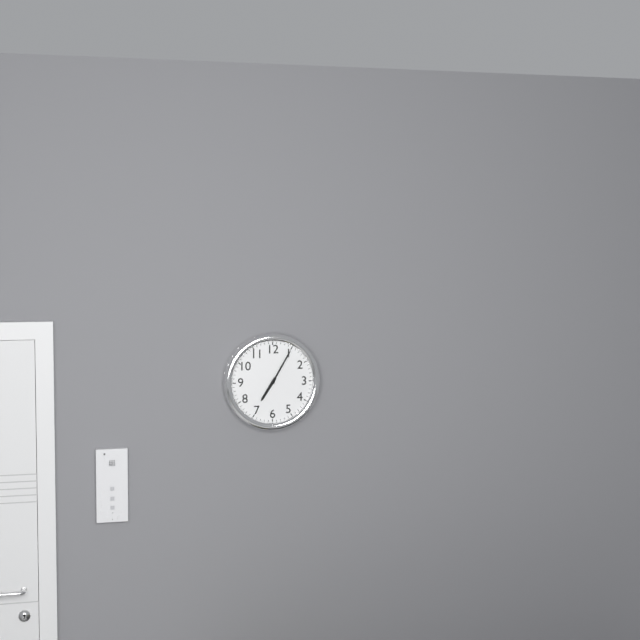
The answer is 7:05
